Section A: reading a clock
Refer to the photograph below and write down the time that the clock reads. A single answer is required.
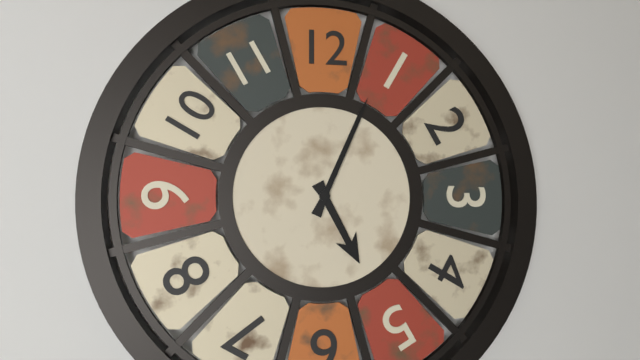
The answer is 5:04
